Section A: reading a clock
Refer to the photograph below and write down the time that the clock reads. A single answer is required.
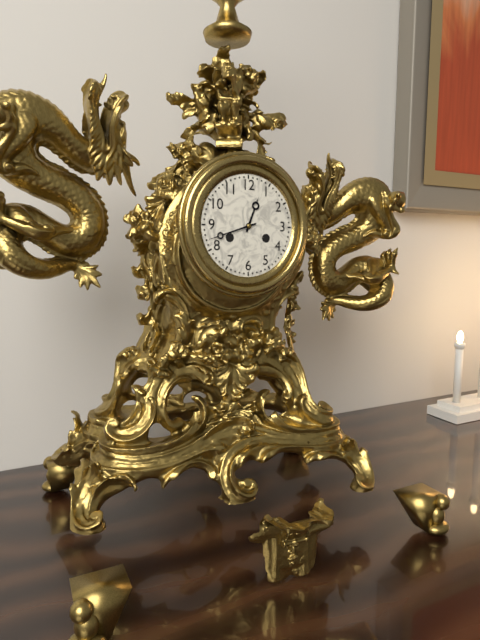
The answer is 12:42
